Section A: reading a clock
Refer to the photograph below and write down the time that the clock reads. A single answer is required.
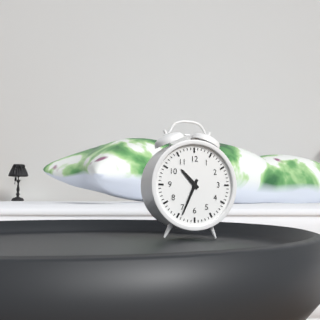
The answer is 10:34
